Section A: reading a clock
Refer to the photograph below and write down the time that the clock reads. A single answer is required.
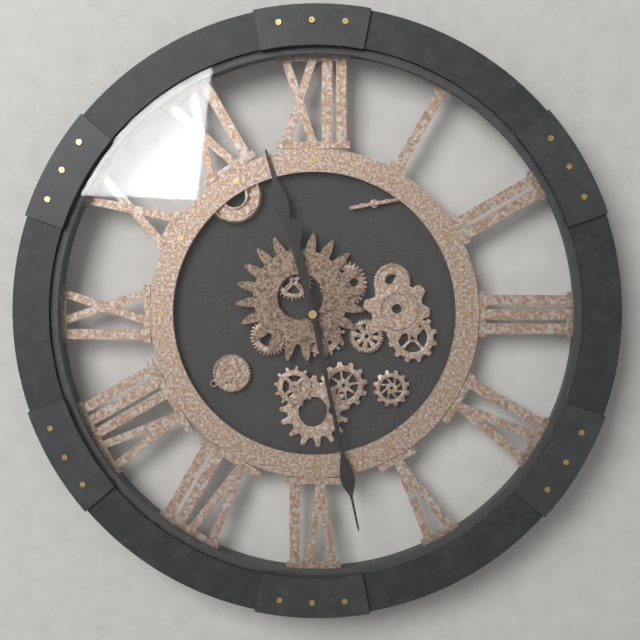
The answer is 11:28
